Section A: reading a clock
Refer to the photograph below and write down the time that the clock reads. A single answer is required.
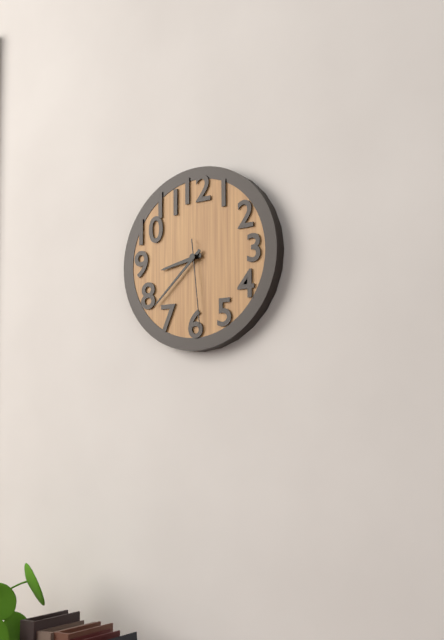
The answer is 8:38:29
